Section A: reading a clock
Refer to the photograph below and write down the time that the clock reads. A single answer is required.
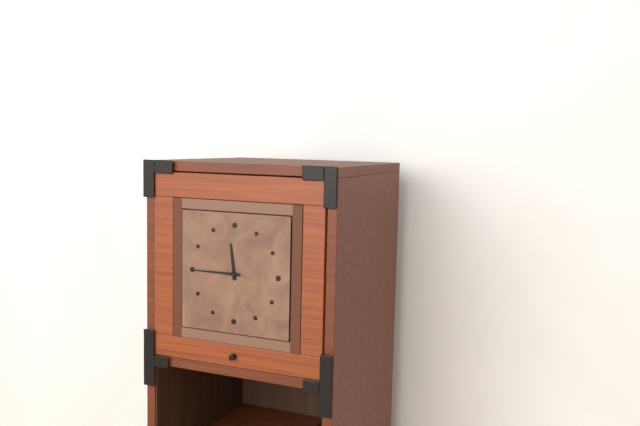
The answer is 11:45
